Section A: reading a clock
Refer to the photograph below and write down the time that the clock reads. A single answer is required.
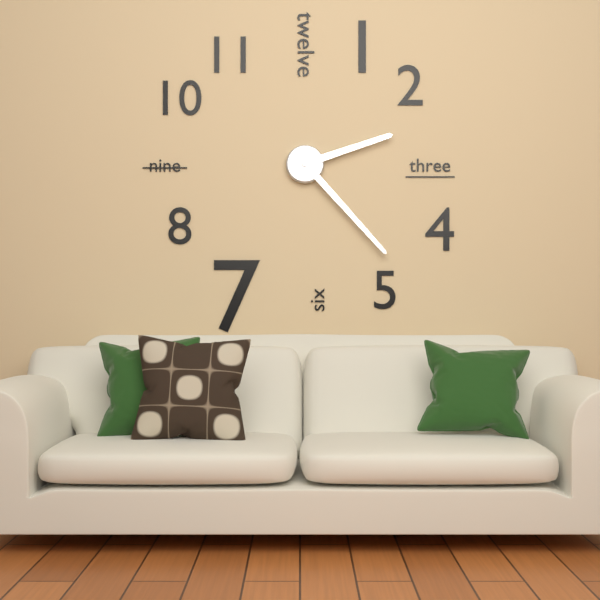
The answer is 2:23
